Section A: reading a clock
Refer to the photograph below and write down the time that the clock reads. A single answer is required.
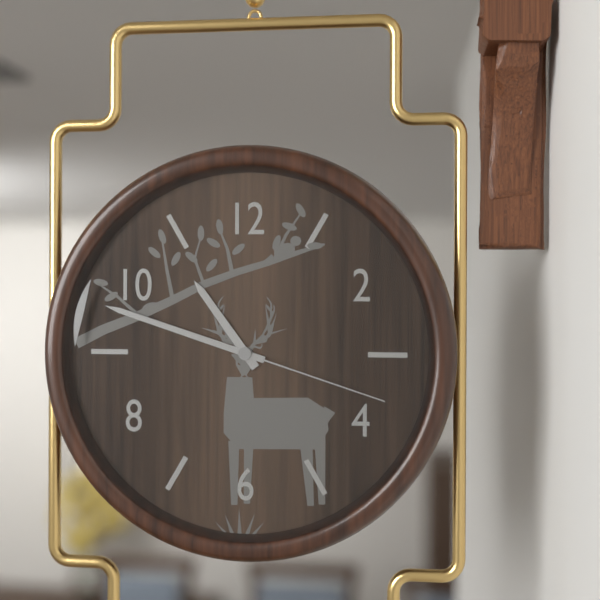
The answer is 10:48:18
